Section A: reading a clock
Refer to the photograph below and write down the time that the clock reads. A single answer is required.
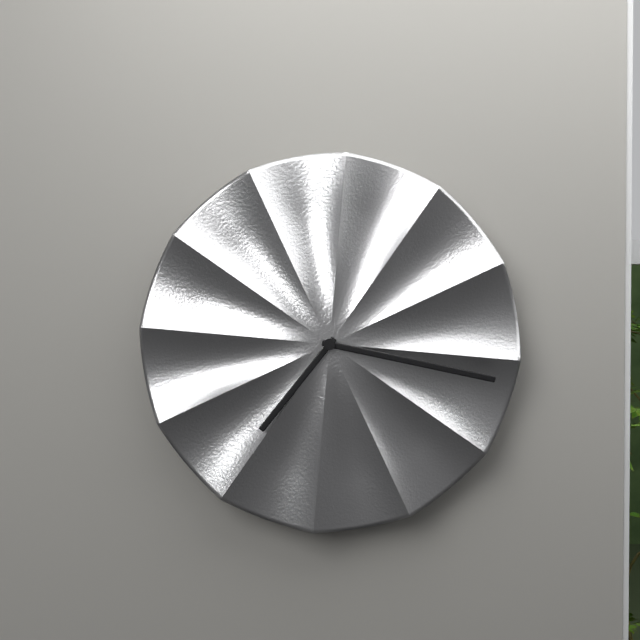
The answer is 7:17
